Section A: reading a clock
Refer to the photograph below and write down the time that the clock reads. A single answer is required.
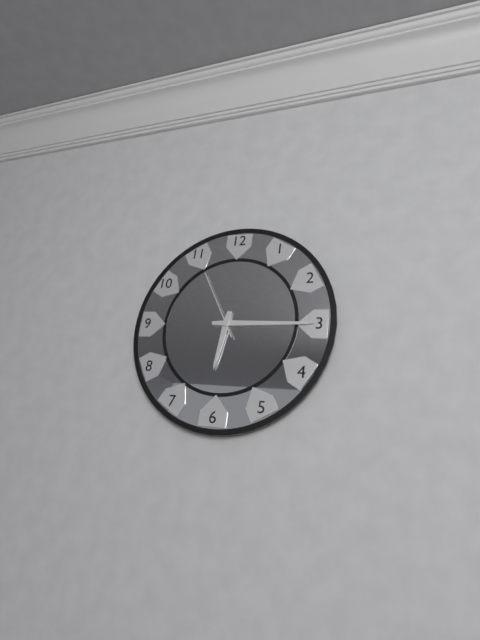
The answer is 6:15:55
